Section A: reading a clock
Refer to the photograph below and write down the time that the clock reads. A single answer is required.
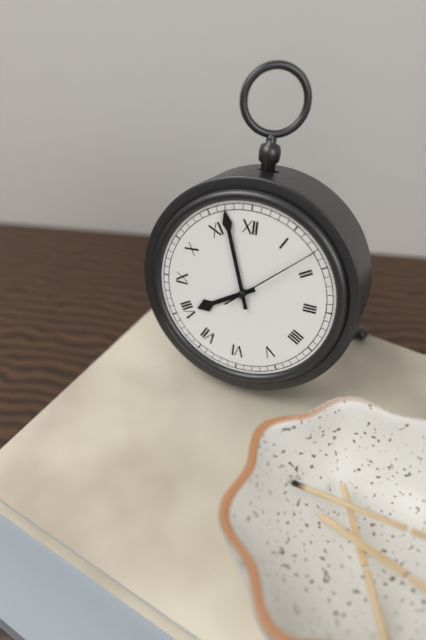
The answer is 7:57:08
